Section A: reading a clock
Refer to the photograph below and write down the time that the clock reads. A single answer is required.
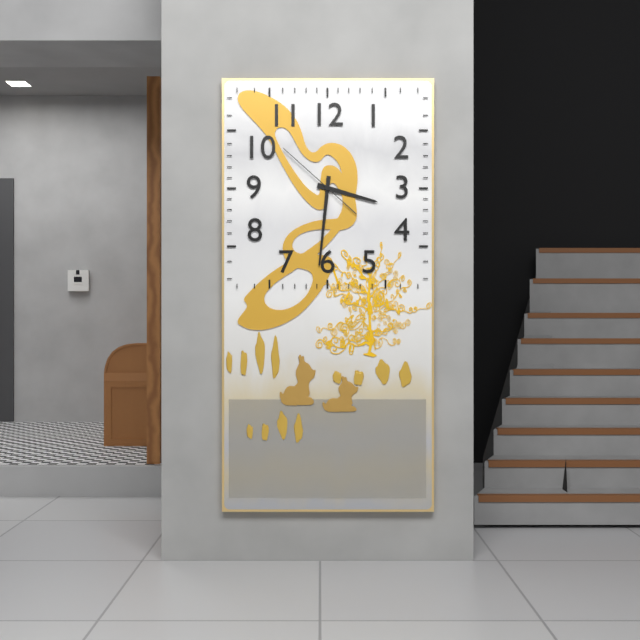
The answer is 3:31:52
